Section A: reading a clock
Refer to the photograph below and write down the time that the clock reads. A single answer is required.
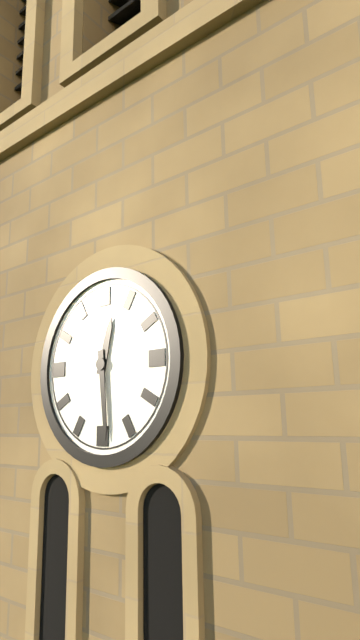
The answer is 12:29
